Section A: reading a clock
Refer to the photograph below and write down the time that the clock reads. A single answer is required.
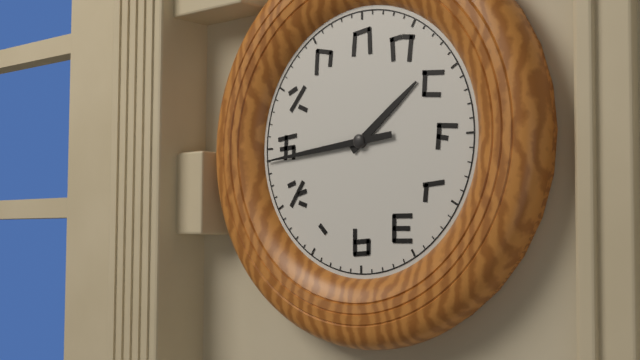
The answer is 1:44
